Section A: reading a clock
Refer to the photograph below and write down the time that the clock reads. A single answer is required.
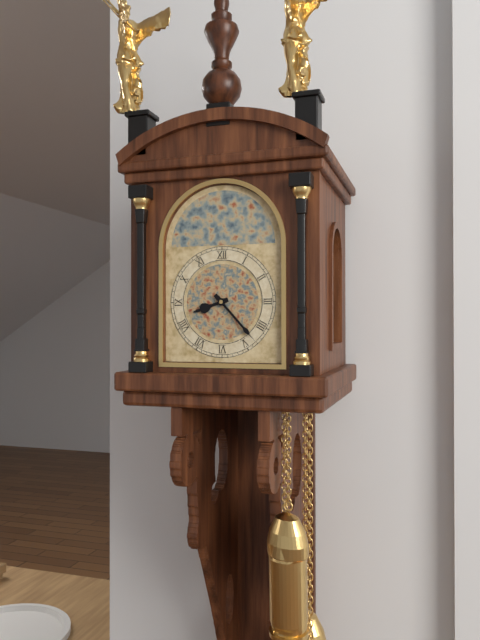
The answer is 8:23
